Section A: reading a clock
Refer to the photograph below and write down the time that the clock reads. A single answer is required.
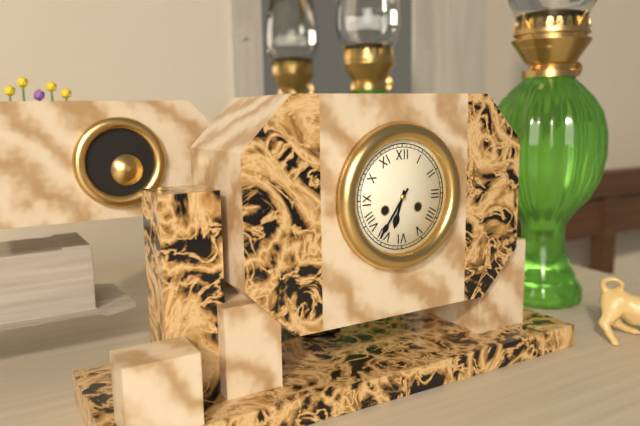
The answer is 6:36
